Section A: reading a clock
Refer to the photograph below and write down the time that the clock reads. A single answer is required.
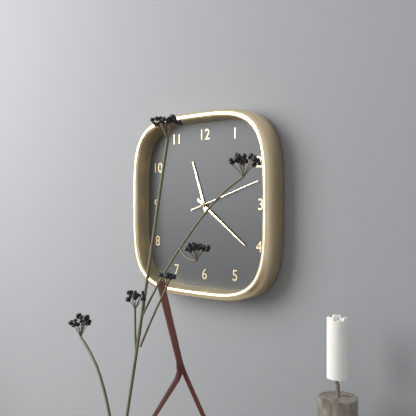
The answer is 11:21:12
